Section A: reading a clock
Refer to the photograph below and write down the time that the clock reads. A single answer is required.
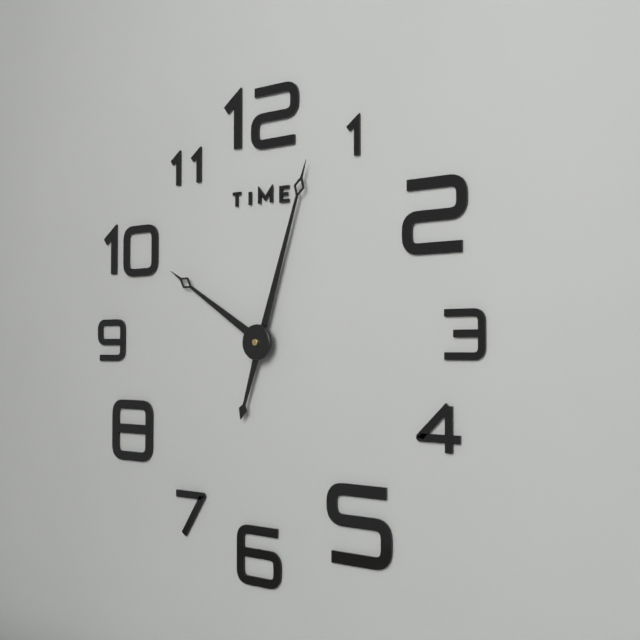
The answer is 10:03
